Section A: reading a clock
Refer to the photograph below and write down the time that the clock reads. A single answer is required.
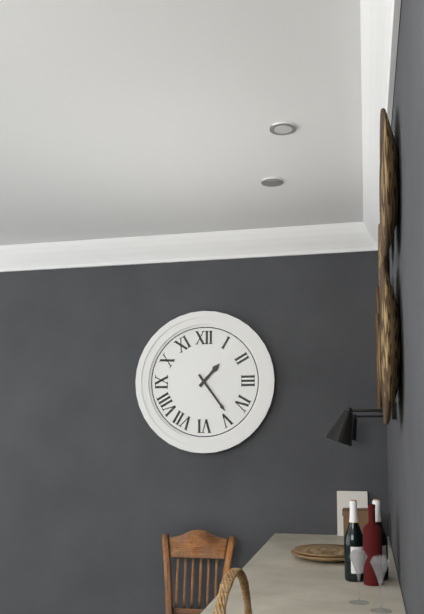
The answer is 1:24
